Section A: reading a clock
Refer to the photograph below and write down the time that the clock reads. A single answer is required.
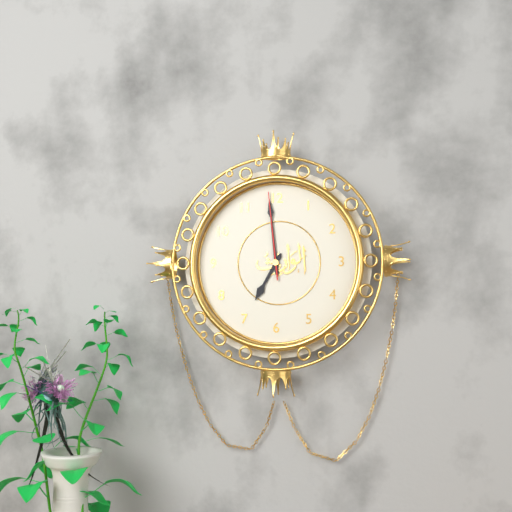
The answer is 6:59:59
